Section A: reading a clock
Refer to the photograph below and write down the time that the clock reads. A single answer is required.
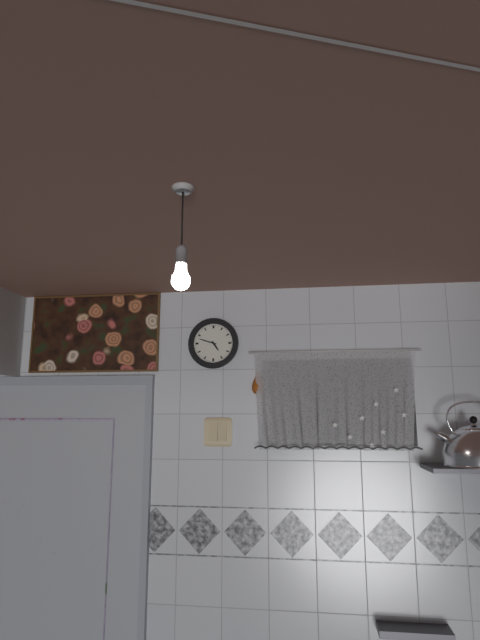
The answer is 4:48
